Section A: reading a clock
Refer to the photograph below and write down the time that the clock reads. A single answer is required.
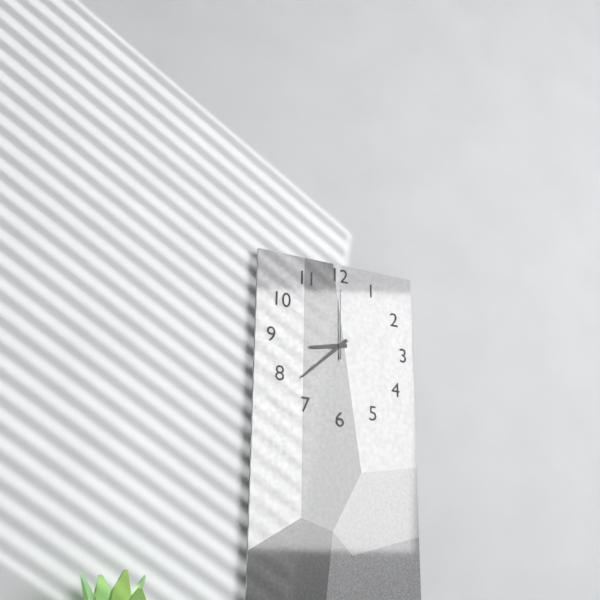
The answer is 8:38:00
